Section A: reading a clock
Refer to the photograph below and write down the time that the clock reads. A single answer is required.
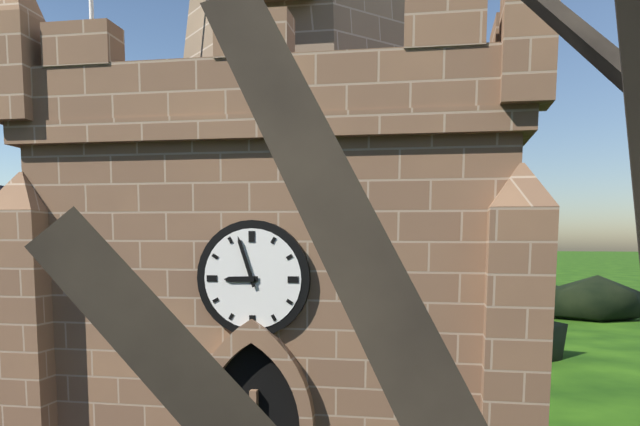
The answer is 8:57
